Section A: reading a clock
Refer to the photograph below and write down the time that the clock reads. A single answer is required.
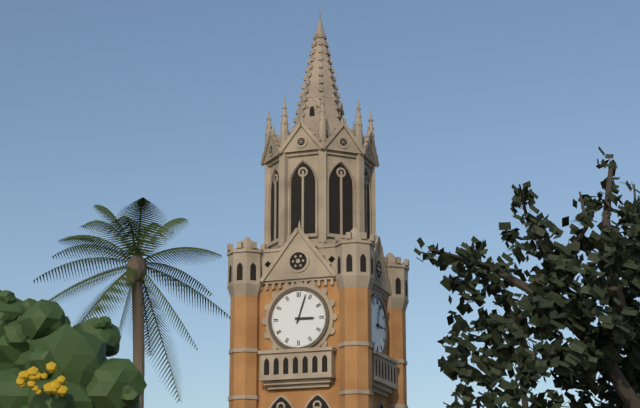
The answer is 3:03
